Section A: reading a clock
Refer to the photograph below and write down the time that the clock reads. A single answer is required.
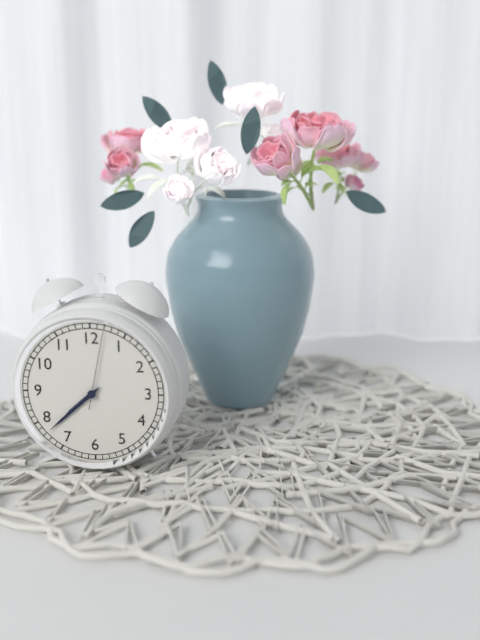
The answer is 7:38:02
